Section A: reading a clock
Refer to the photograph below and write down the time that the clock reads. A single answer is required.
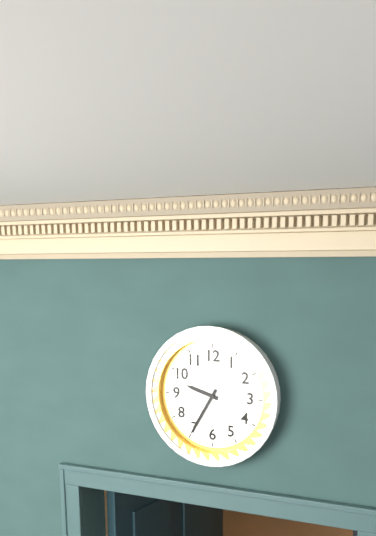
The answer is 9:35
